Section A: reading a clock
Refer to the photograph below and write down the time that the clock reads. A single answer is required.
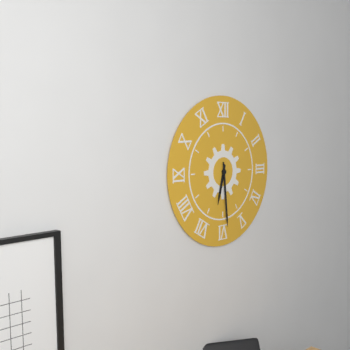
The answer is 6:29
